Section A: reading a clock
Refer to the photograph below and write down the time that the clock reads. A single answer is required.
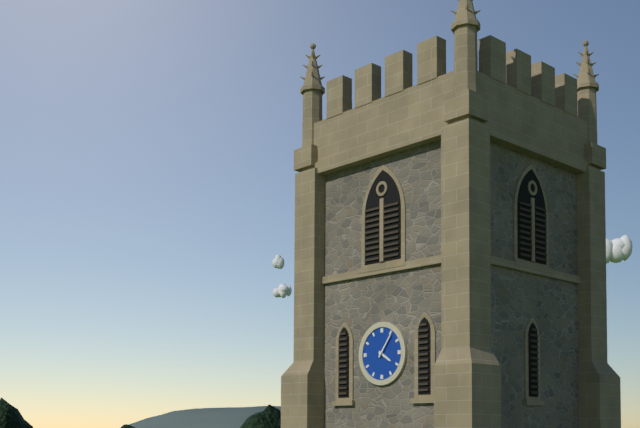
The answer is 4:06
